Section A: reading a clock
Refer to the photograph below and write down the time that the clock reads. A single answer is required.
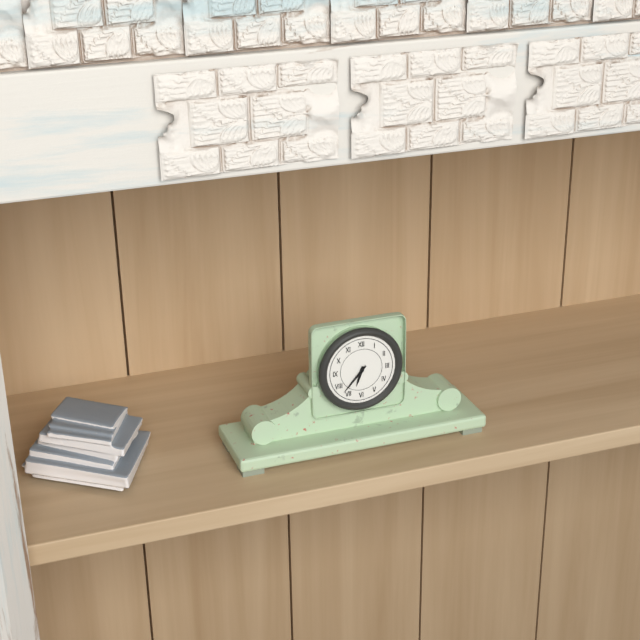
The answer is 6:37
